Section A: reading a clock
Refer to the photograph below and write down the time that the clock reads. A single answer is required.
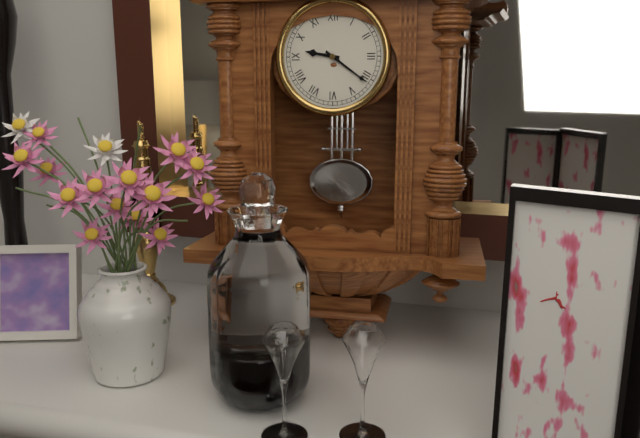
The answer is 9:21
